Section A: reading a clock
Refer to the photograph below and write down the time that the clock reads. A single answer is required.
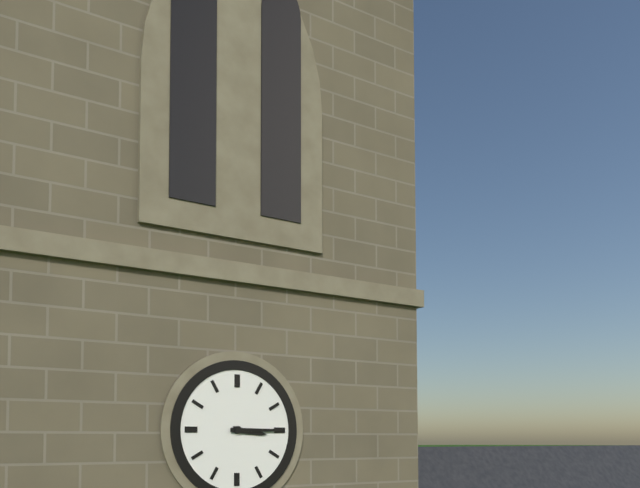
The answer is 3:15
